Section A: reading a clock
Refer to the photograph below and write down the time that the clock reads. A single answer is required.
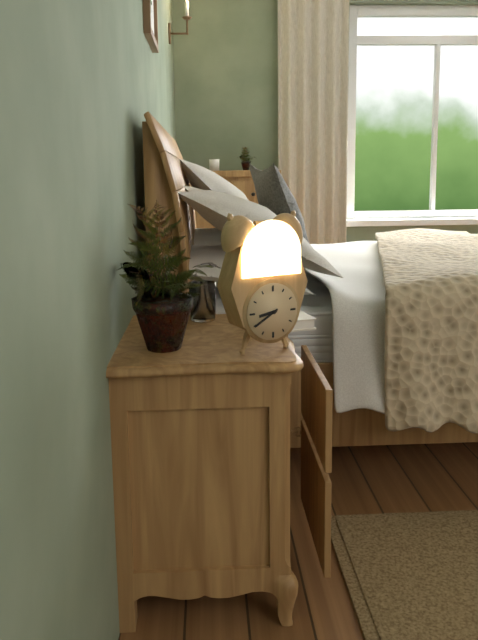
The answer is 8:40
